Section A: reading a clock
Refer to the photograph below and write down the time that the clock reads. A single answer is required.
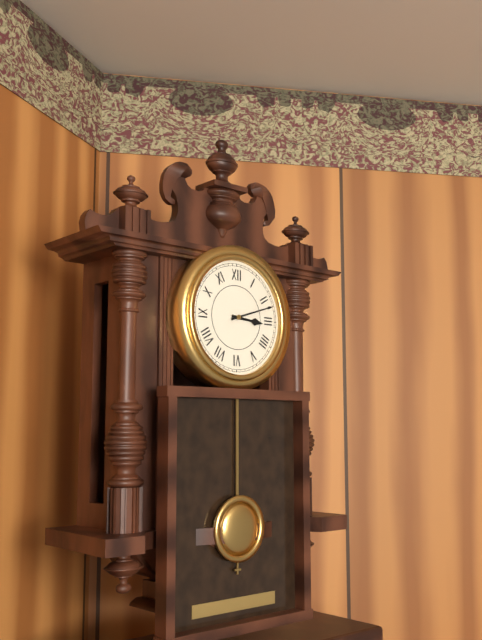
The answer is 3:12
